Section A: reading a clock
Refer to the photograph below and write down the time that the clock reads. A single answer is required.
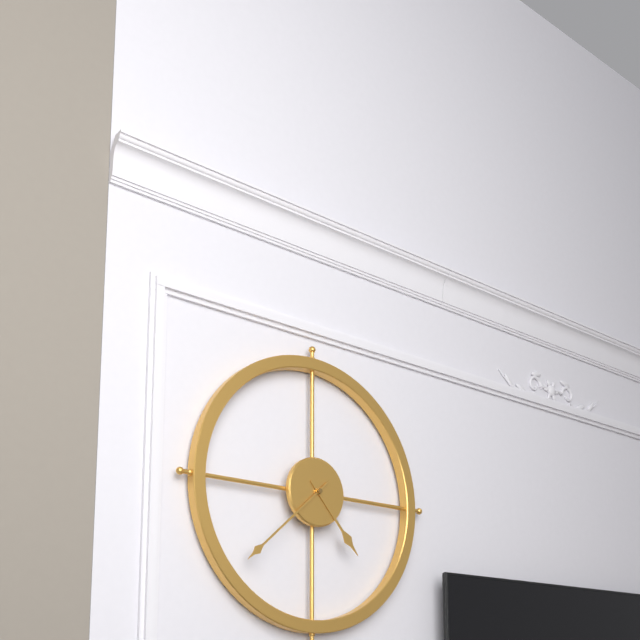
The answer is 4:38
